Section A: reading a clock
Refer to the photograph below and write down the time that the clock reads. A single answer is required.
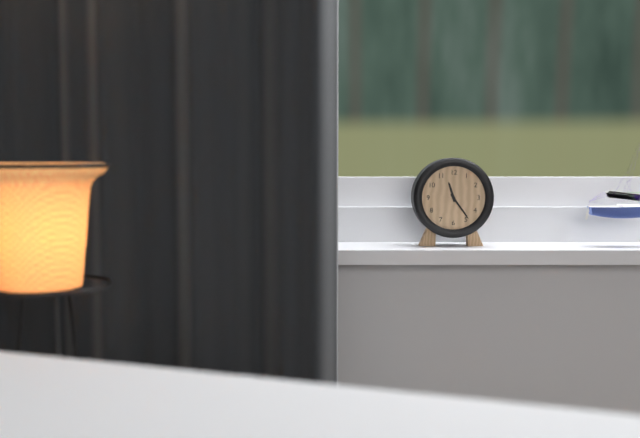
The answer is 11:24
